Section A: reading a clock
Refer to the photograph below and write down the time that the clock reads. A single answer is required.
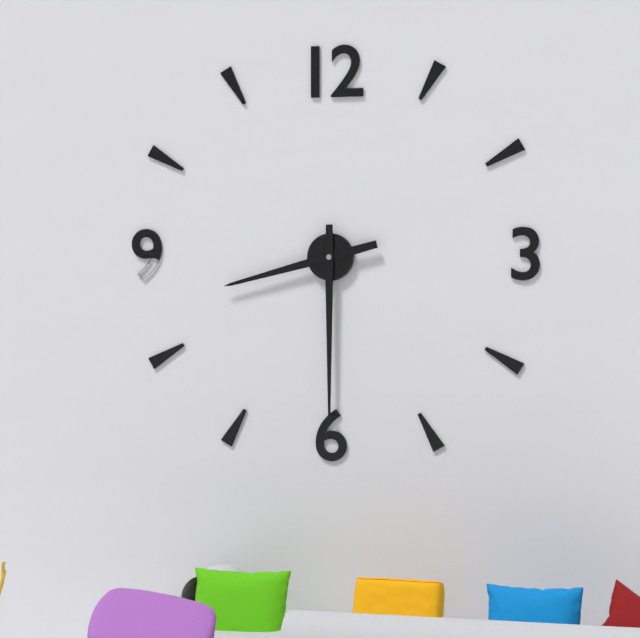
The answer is 8:30
